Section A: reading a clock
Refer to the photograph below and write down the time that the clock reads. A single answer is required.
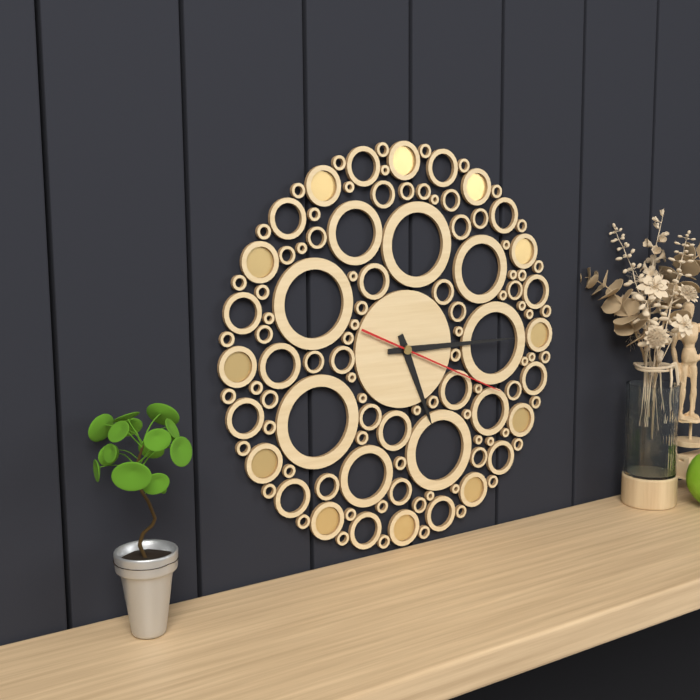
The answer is 5:15:19
